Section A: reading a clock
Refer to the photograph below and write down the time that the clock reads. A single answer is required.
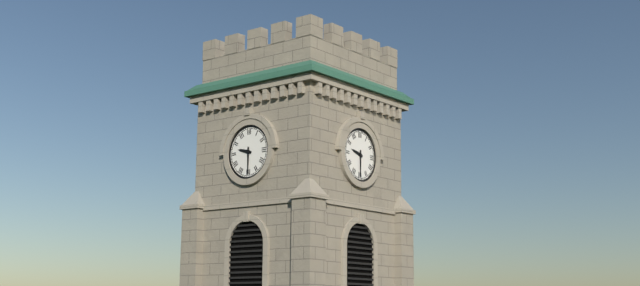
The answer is 9:30
